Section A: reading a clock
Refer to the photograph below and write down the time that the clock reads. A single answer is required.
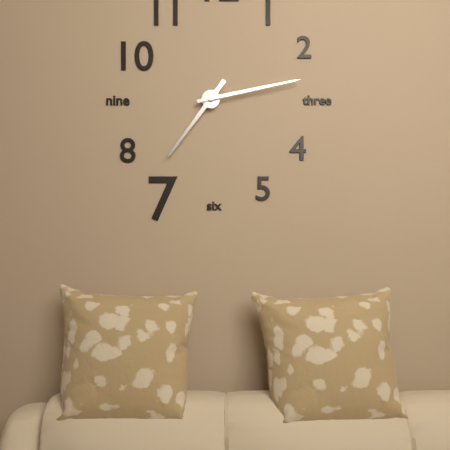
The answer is 7:13
